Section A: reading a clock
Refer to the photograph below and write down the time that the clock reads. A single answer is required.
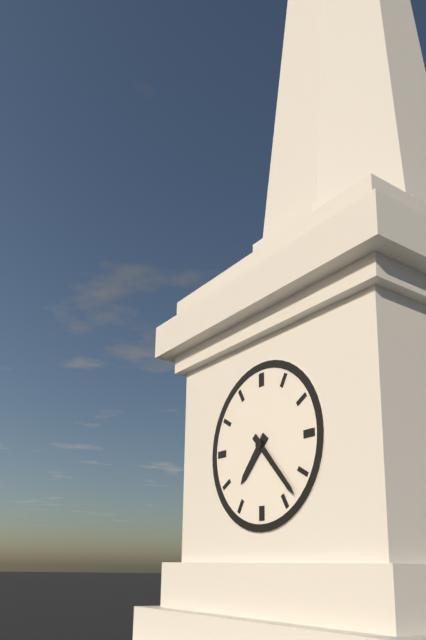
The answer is 7:23
